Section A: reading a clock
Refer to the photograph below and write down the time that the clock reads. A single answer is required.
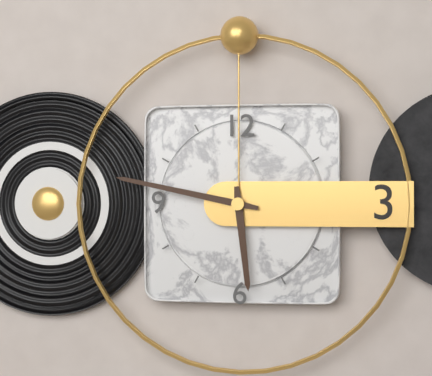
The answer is 5:47
